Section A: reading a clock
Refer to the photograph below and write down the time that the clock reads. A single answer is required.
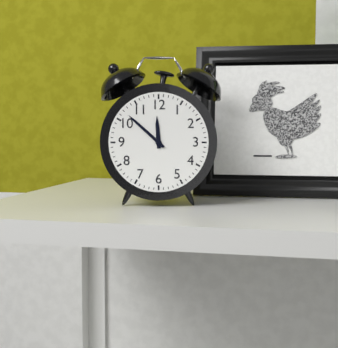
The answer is 11:52
